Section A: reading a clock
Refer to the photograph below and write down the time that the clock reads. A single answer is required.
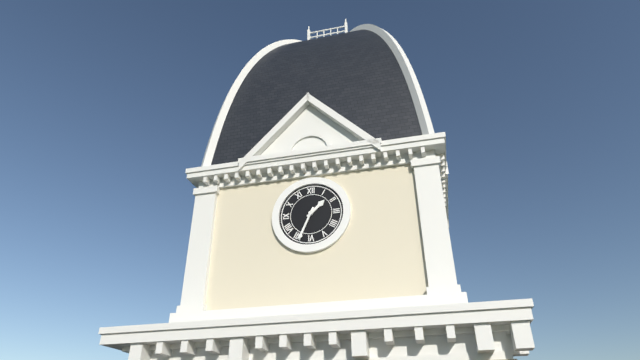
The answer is 1:34
